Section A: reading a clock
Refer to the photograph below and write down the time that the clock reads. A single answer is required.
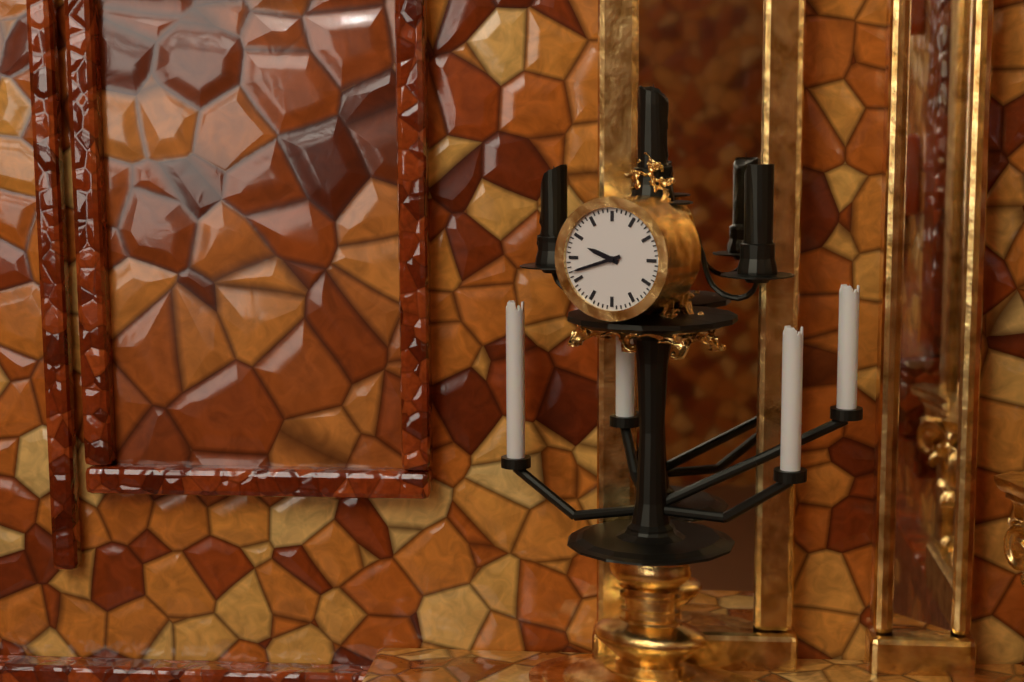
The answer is 9:42
